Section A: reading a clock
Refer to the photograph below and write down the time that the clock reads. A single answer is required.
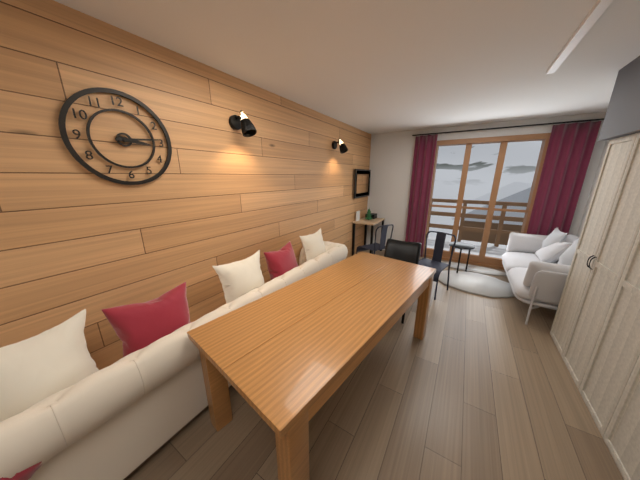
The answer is 3:14
